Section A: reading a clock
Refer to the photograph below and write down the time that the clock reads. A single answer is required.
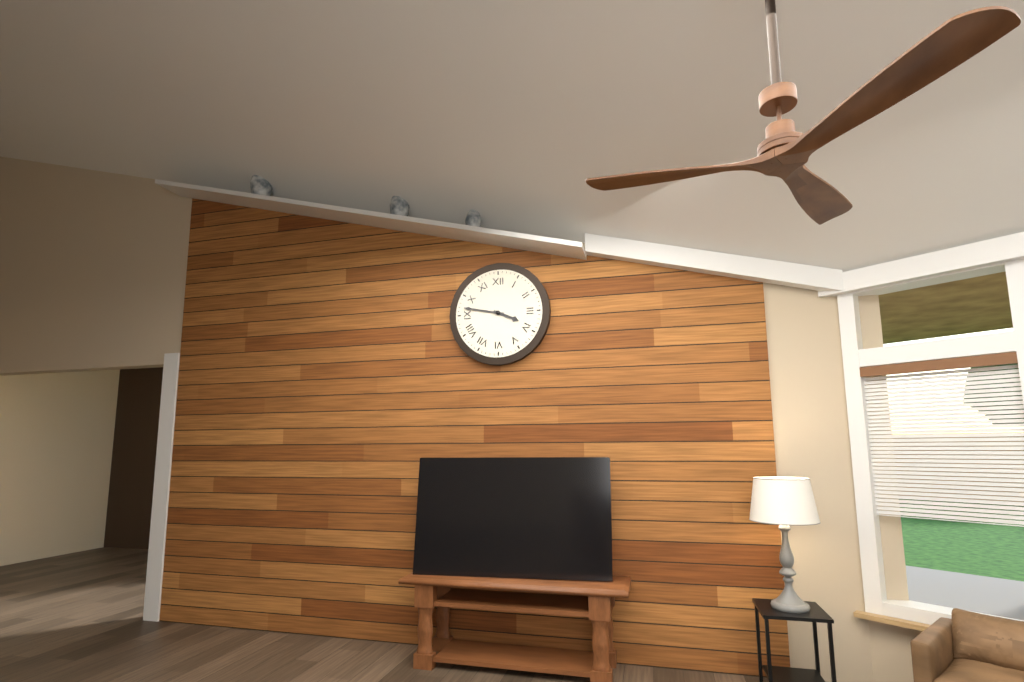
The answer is 3:47
